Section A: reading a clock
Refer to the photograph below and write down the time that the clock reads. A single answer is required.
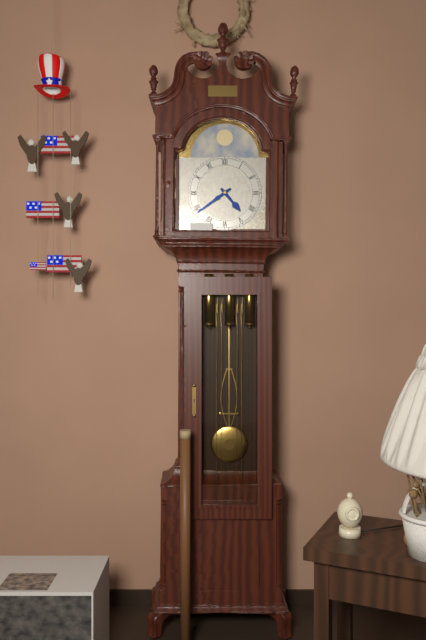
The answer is 4:39
